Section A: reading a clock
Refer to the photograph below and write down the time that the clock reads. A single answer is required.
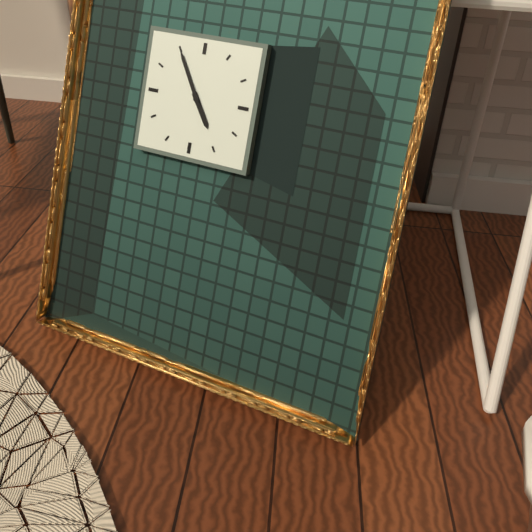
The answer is 4:55
